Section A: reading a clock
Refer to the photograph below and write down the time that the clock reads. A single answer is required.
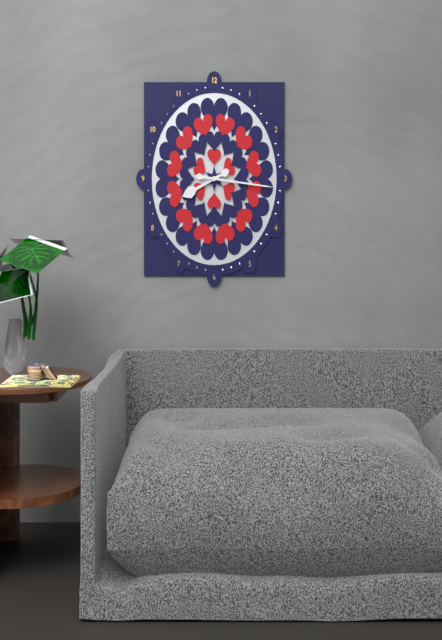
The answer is 8:16
